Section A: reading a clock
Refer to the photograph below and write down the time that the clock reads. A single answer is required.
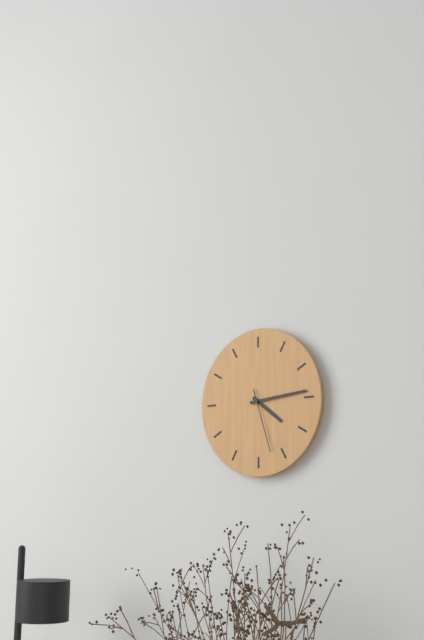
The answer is 4:14:27
